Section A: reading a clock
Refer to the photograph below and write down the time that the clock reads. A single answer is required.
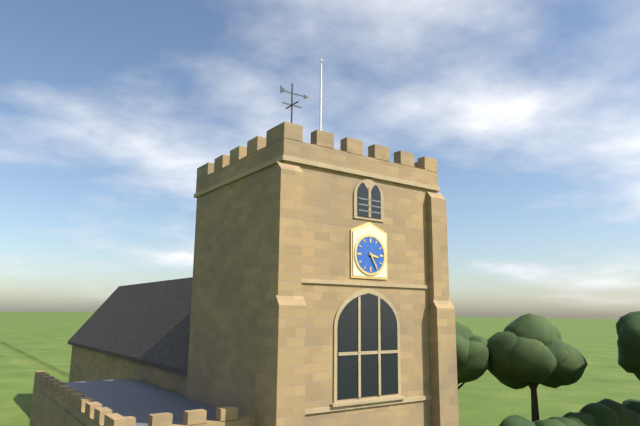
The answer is 3:25
